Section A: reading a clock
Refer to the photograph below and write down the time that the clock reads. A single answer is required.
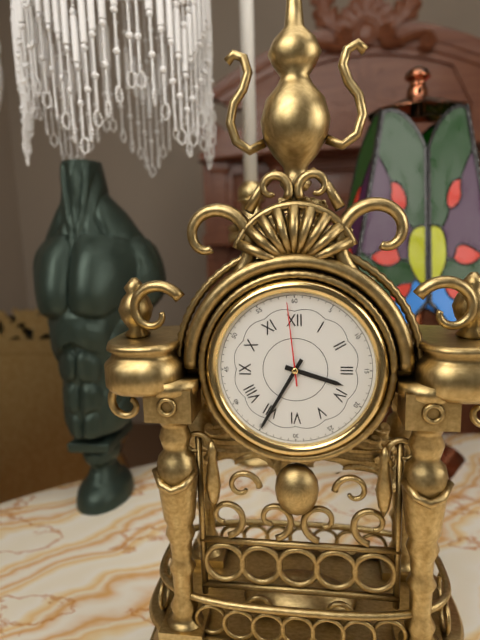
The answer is 3:35:59
